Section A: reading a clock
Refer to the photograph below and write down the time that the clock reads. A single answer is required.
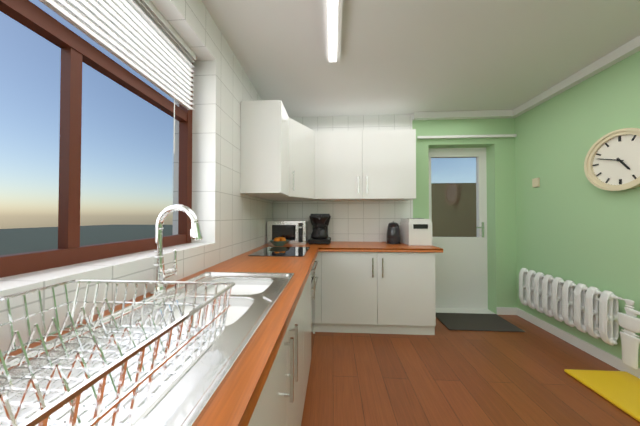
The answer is 4:48
